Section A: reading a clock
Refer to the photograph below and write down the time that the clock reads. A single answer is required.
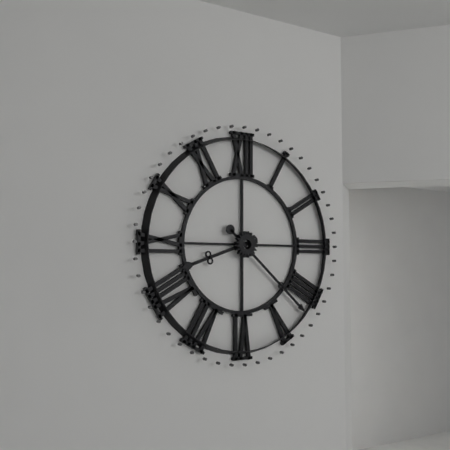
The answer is 8:22
